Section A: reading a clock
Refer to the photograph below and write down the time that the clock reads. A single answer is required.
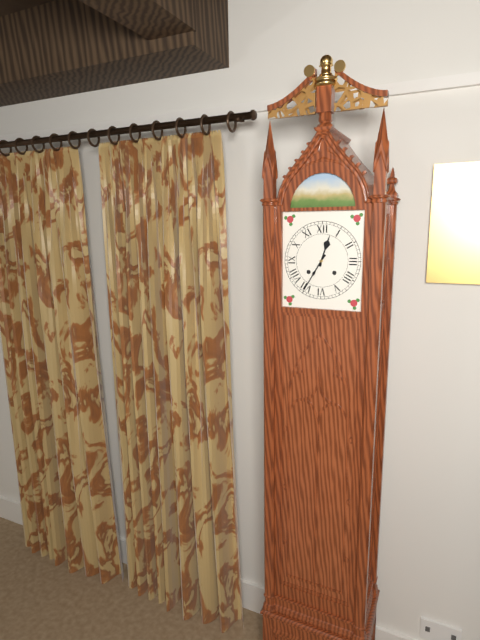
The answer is 12:35
